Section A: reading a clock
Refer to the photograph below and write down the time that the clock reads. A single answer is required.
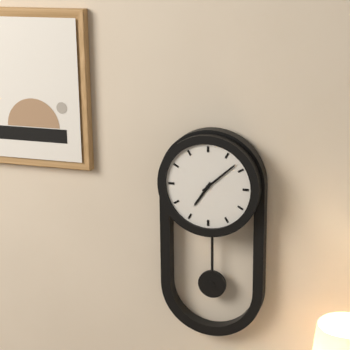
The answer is 7:08
